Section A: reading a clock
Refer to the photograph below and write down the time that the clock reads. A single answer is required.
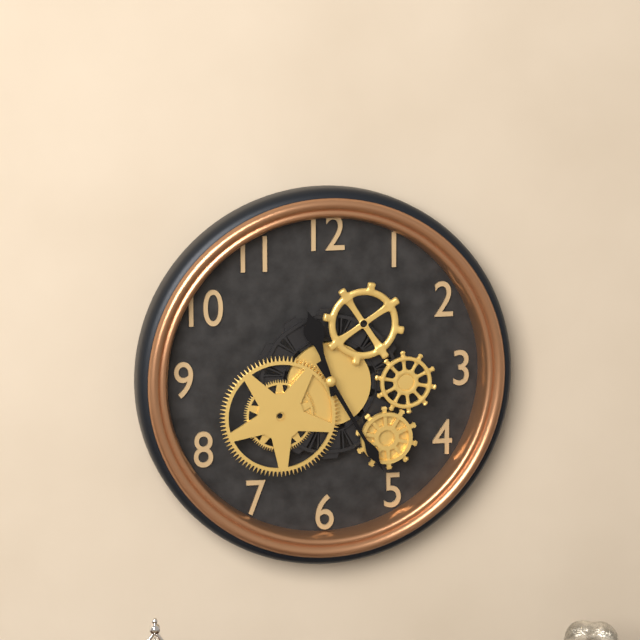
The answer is 11:25
